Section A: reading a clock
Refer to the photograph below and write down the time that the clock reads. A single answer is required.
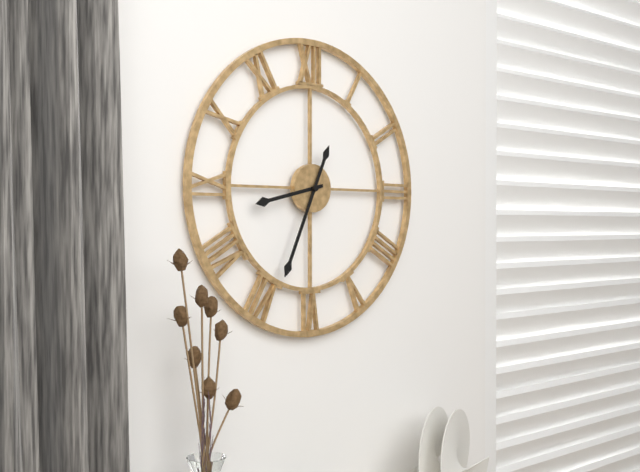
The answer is 8:34
